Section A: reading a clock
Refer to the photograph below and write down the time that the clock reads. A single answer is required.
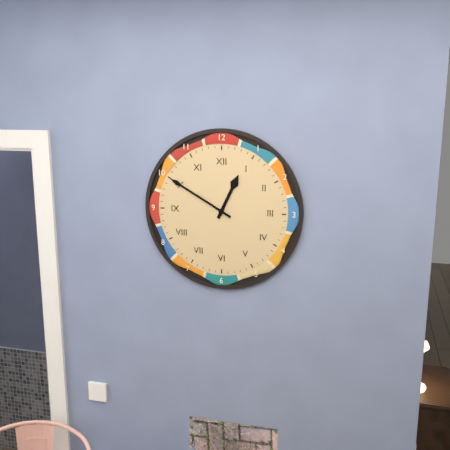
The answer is 12:50
